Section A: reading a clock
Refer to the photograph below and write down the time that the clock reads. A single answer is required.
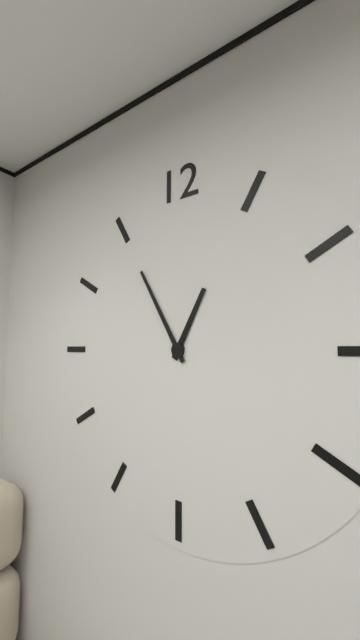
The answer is 12:55
